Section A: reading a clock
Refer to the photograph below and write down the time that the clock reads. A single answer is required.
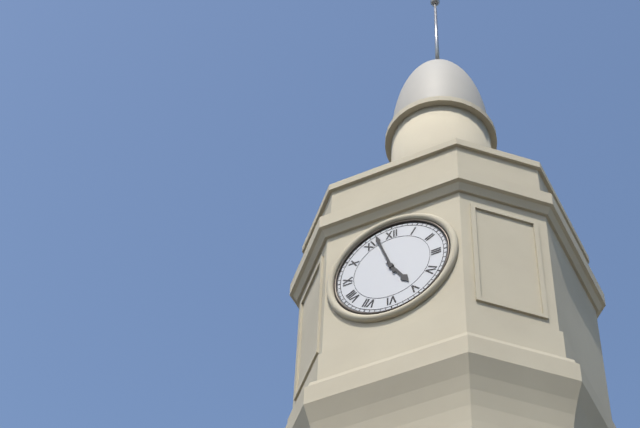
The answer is 4:57
